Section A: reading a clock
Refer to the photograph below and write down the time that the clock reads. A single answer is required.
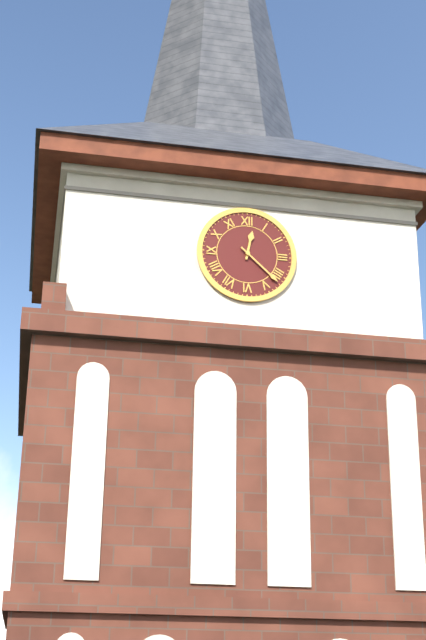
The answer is 12:22
